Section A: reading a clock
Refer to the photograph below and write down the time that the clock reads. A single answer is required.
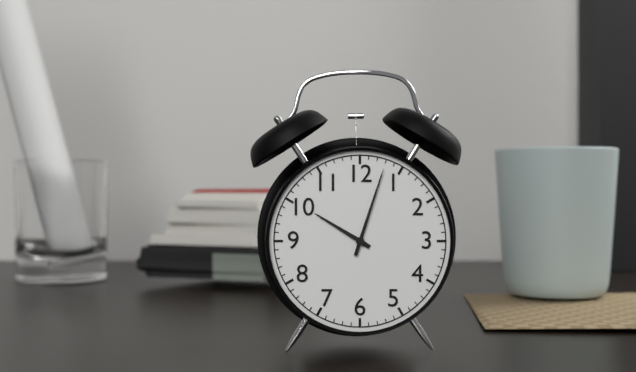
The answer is 10:03
